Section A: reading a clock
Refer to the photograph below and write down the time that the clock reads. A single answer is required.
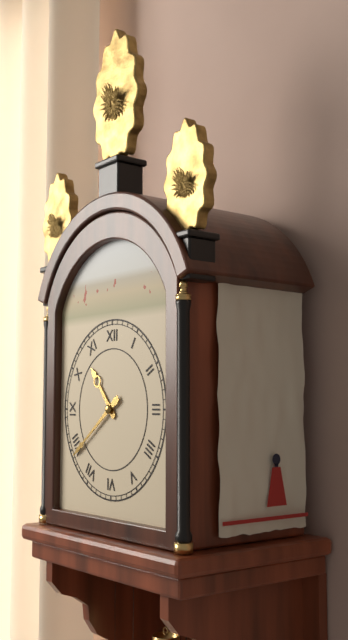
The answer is 10:39
